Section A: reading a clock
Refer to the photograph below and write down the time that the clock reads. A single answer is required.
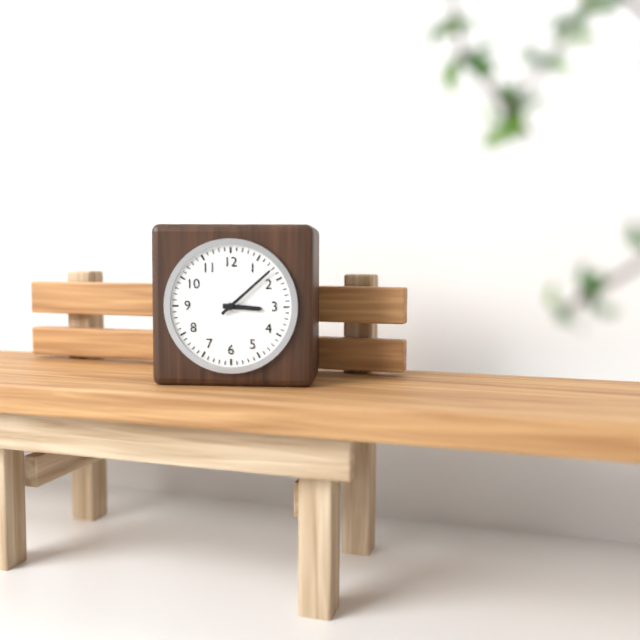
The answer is 3:08
